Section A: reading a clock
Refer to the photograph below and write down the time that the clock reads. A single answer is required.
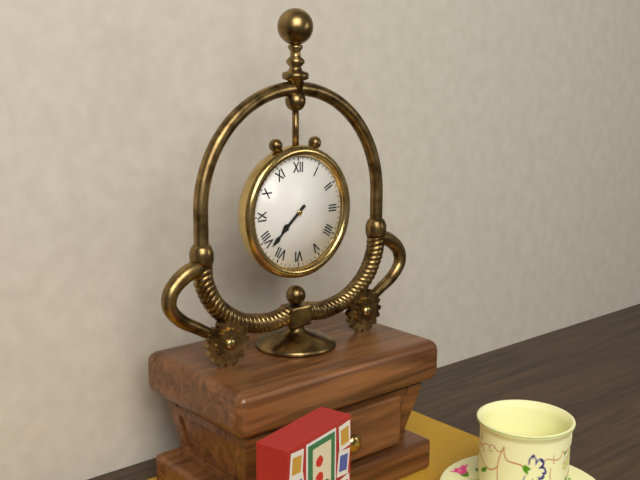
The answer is 7:38
